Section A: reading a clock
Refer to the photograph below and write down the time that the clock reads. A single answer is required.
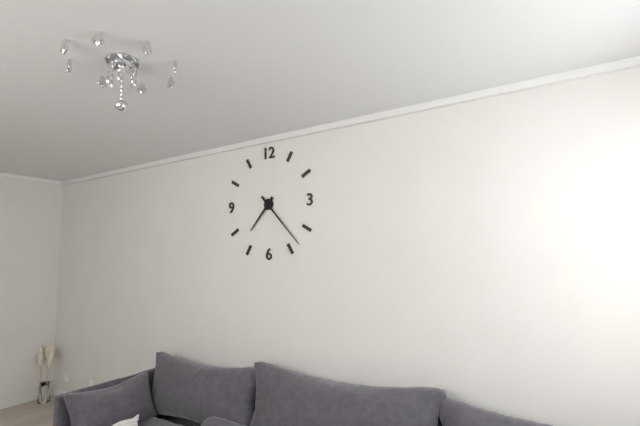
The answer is 7:23
